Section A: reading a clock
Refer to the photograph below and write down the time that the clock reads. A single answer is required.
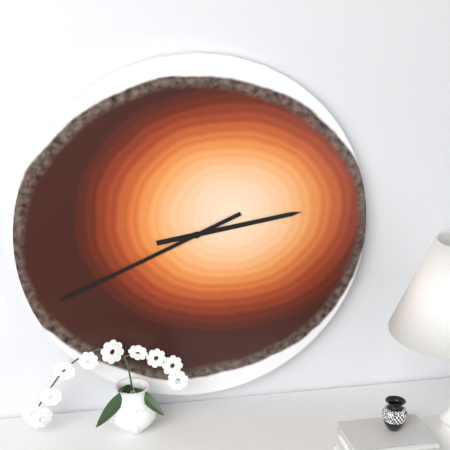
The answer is 2:41
